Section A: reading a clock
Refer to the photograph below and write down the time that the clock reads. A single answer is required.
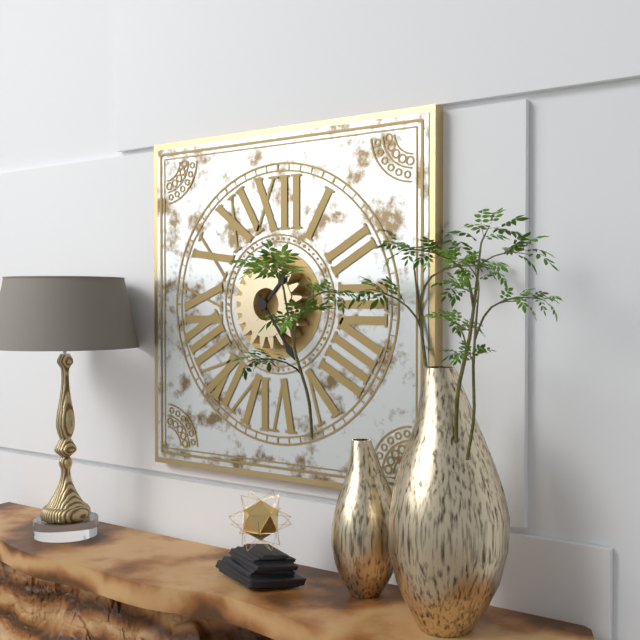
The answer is 1:24
